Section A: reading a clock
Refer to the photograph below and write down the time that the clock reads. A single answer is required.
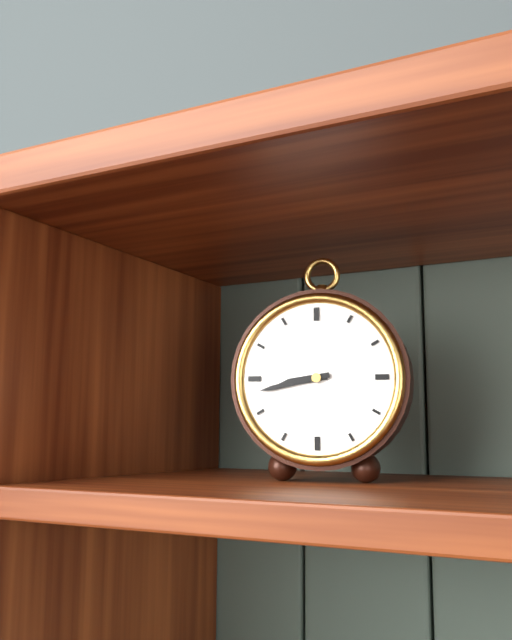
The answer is 8:43
